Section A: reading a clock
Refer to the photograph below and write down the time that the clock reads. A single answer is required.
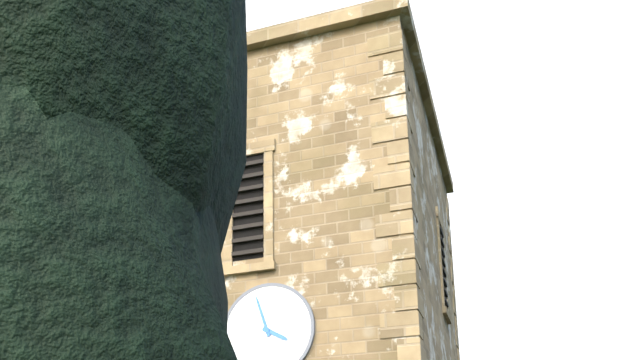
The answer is 3:57
